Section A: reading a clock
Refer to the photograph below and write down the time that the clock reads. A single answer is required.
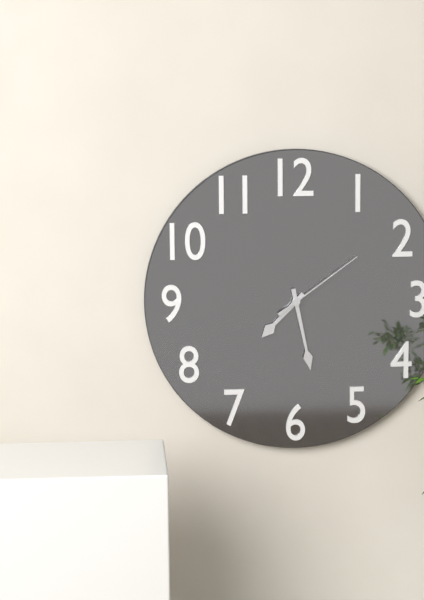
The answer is 7:28:09
